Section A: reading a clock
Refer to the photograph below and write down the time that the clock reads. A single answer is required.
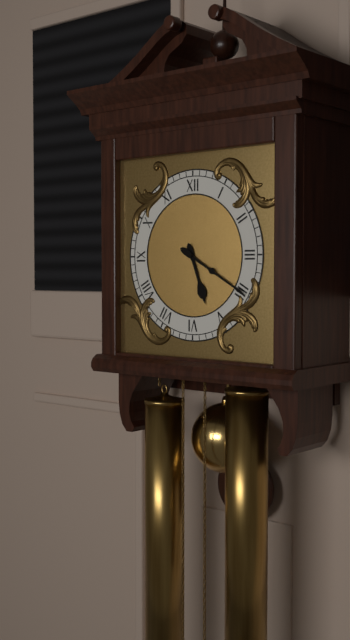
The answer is 5:20
